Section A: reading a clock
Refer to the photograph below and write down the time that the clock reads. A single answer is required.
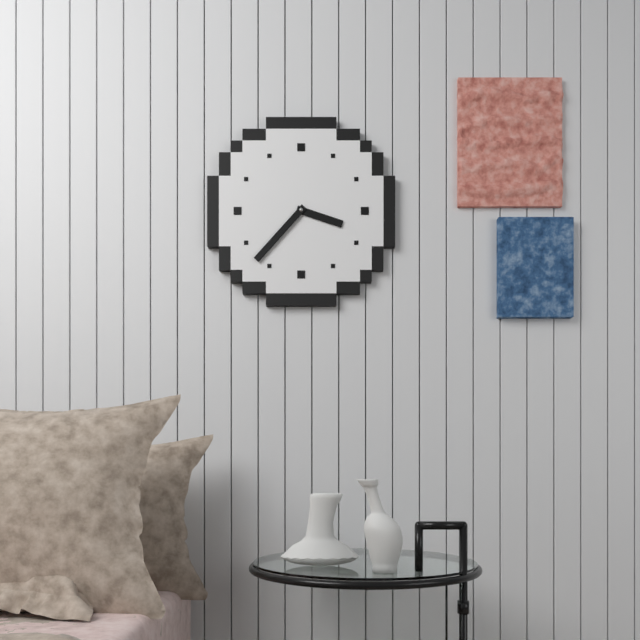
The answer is 3:37
